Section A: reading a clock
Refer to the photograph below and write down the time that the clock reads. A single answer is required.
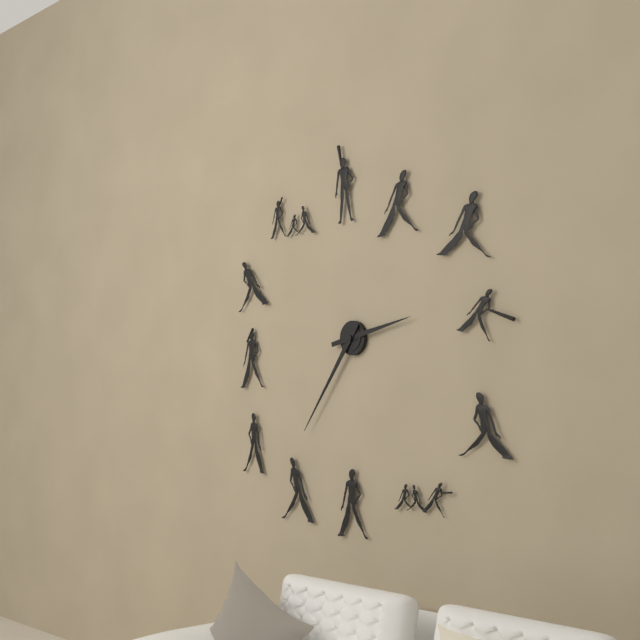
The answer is 2:36
